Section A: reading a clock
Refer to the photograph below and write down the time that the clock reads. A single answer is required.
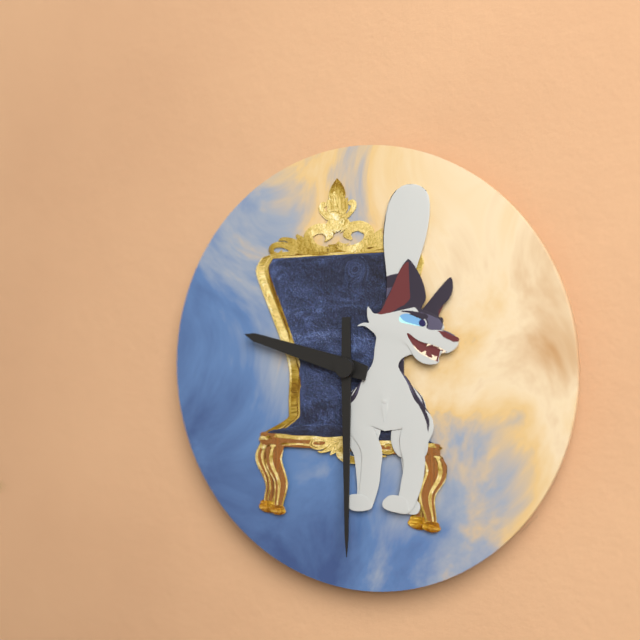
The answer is 9:30
